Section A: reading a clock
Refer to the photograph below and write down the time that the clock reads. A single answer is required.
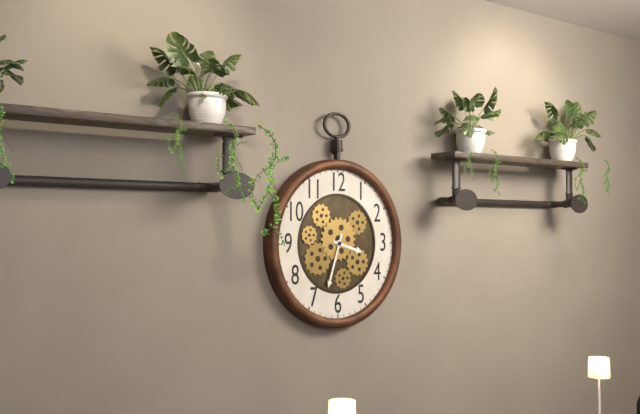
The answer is 3:33
